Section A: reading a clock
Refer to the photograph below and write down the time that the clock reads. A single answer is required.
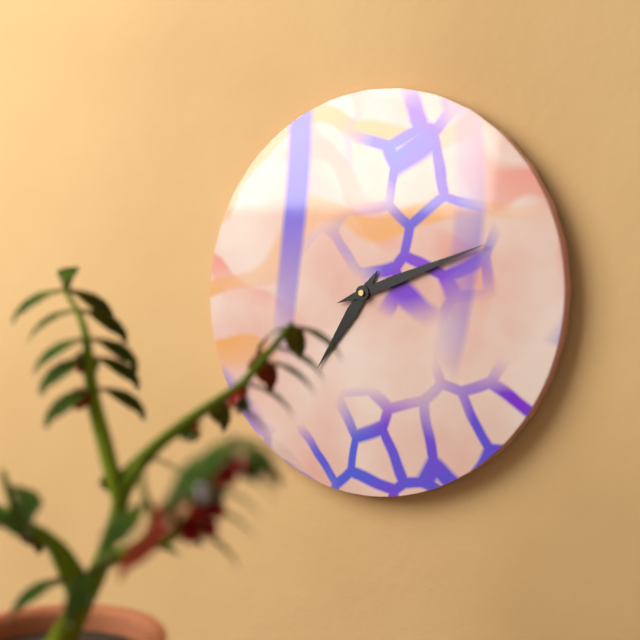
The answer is 7:12
